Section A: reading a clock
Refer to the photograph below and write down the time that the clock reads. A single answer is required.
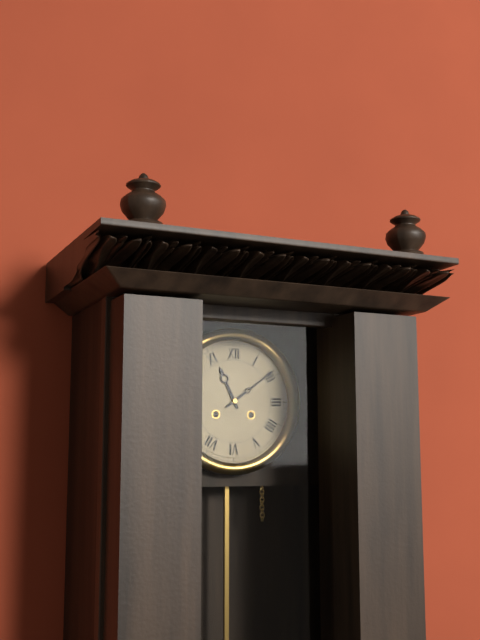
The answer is 11:09
